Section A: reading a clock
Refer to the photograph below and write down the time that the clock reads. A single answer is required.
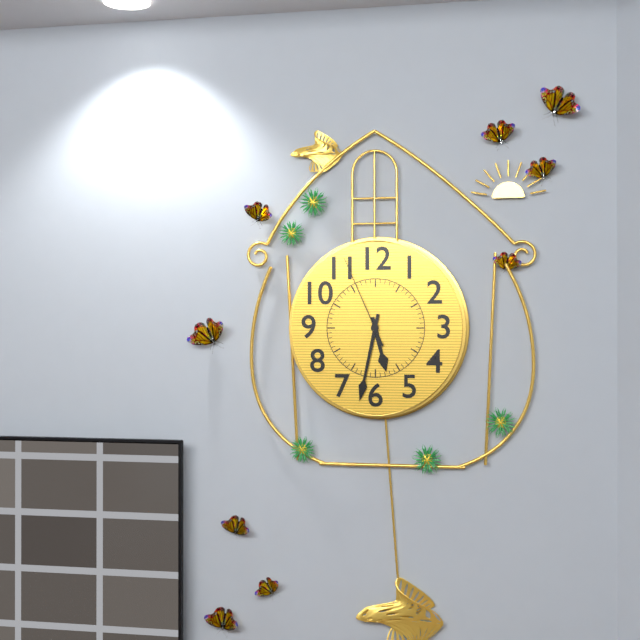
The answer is 5:32:56
